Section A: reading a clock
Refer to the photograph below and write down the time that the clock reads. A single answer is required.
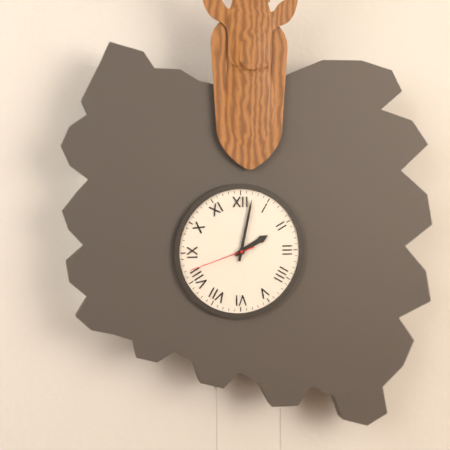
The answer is 2:02:42
